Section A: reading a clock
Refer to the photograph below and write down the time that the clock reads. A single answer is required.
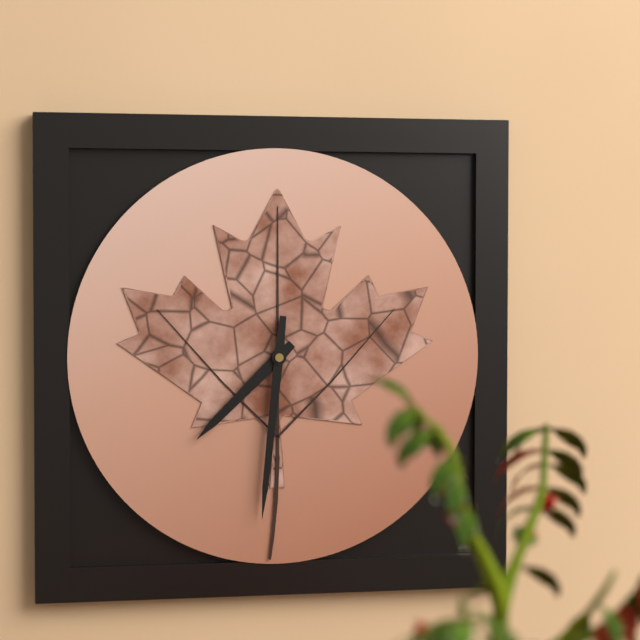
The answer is 7:31
